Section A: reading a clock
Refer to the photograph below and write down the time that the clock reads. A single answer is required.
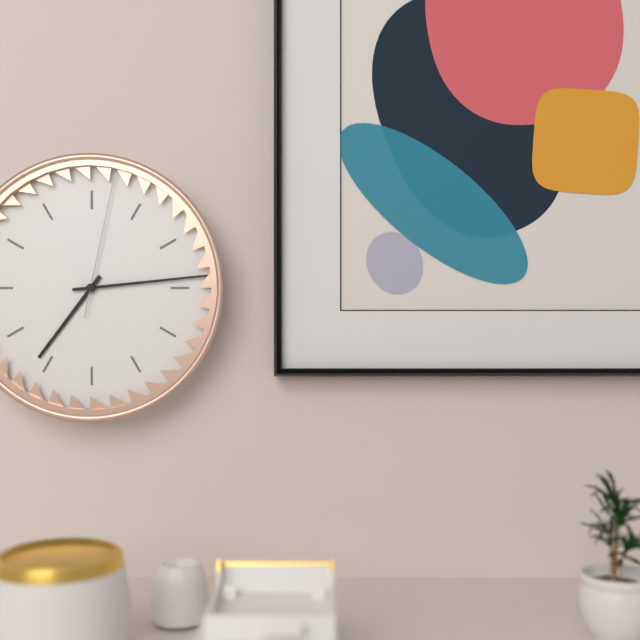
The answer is 7:14:02
